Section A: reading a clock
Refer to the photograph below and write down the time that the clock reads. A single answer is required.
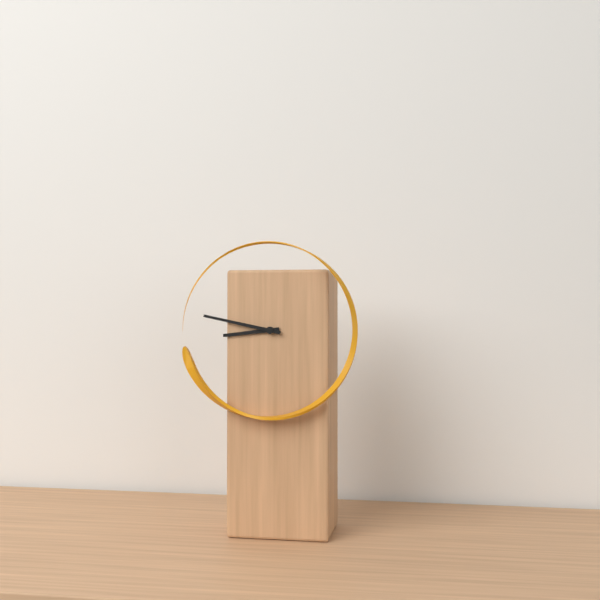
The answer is 8:47
